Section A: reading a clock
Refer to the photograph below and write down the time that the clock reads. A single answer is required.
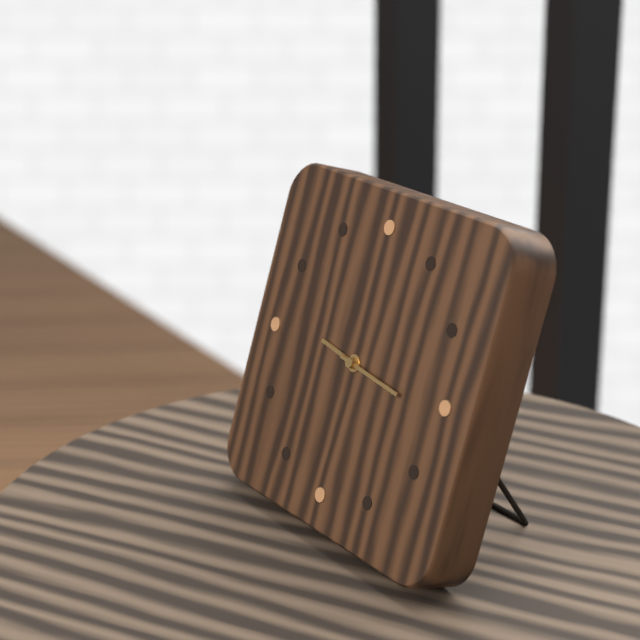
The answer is 9:16
